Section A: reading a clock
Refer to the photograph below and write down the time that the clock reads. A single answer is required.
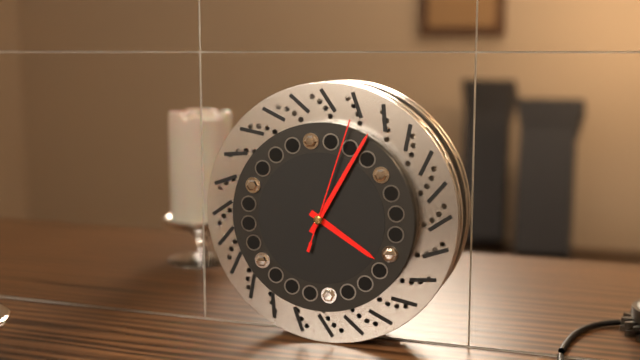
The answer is 4:05:03
